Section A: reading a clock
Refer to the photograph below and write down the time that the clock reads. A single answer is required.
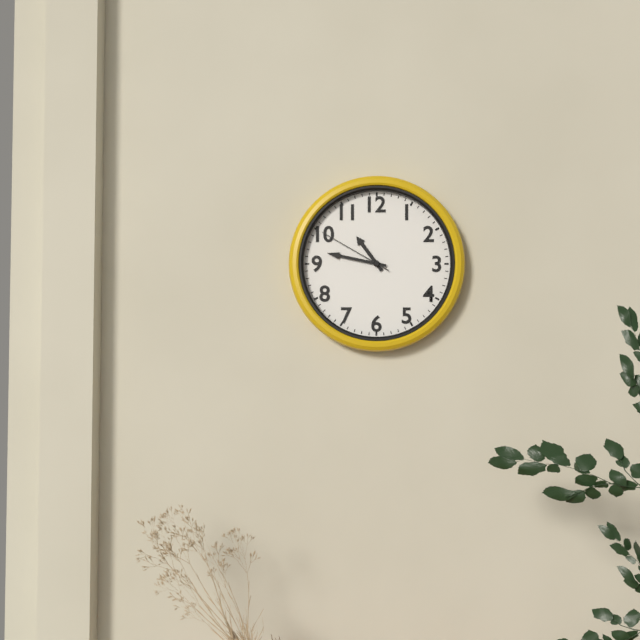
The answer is 10:47:50
